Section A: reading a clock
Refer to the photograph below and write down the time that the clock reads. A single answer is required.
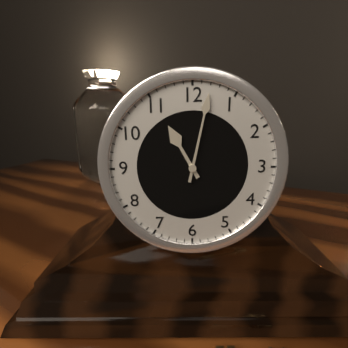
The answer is 11:02
